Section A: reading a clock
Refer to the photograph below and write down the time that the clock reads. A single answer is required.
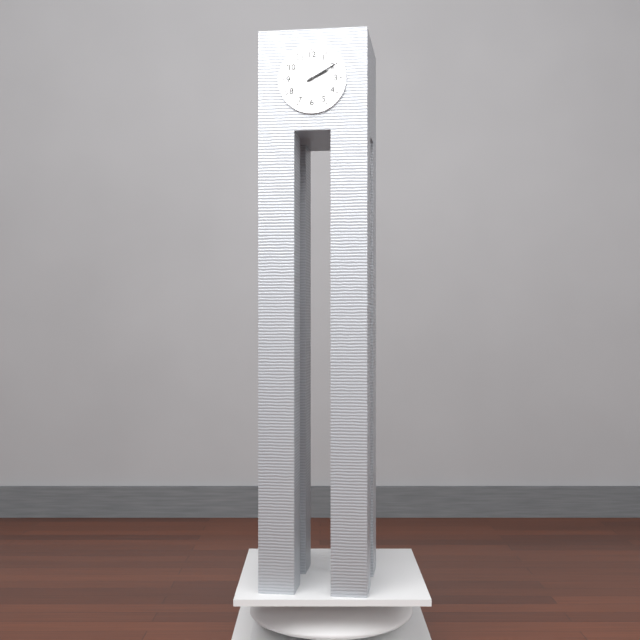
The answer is 2:10
